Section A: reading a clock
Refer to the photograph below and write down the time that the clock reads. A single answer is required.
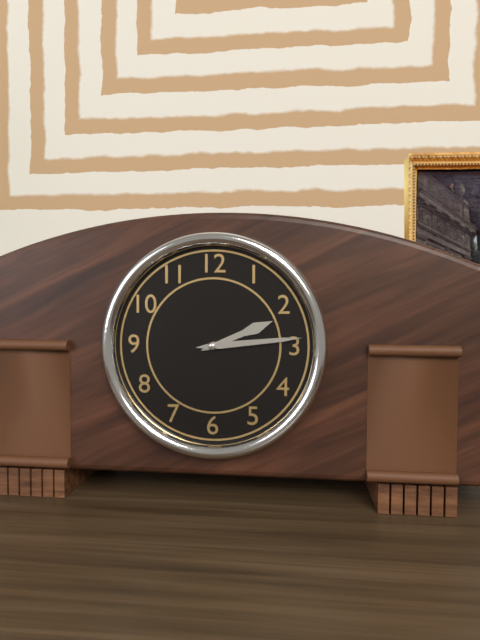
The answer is 2:14
